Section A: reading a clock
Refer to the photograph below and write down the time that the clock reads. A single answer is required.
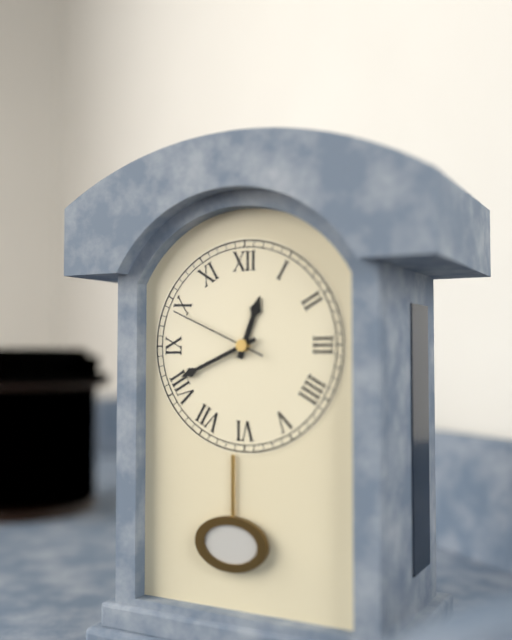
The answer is 12:41:49
